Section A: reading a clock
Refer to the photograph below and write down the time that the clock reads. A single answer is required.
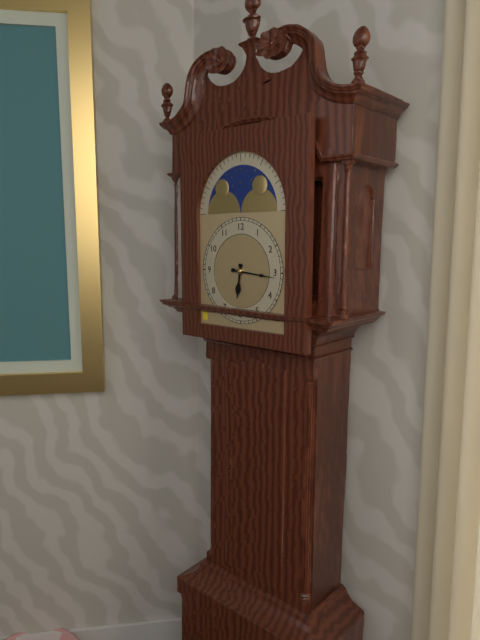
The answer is 6:16
